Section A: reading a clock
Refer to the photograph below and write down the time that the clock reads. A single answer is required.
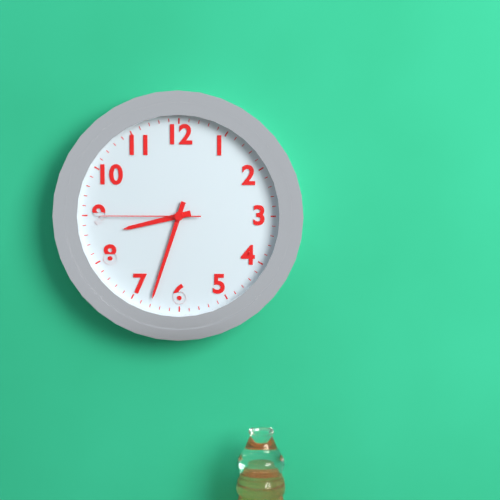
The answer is 8:33:45
